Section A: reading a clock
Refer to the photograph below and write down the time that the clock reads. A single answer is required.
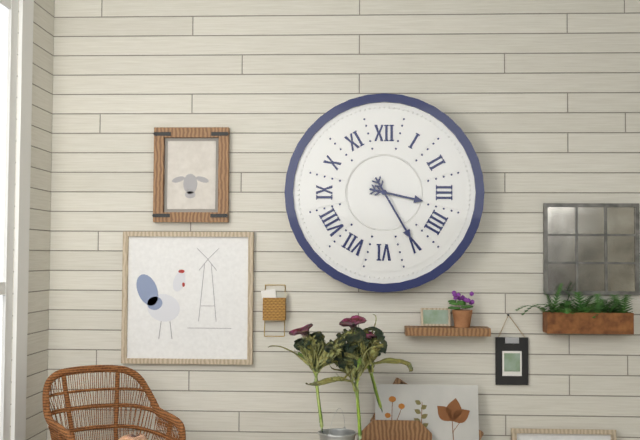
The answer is 3:25
